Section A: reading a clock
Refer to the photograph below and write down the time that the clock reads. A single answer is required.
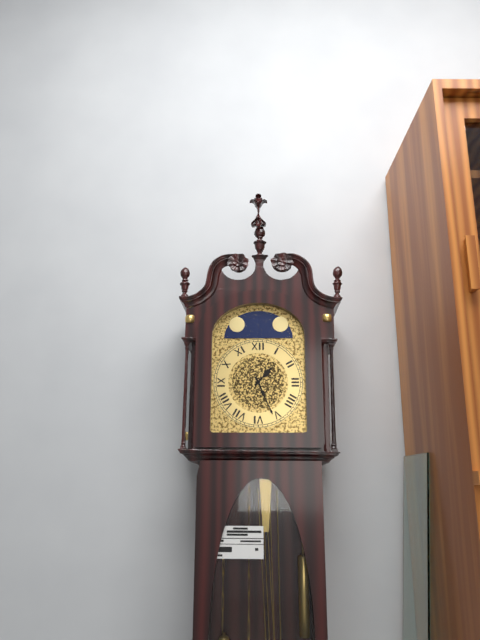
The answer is 1:26
